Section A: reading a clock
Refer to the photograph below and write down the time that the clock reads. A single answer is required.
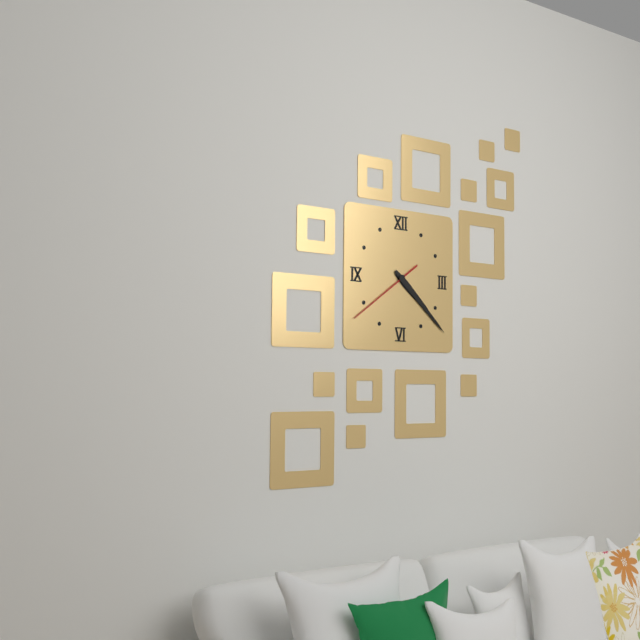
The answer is 4:22:39
